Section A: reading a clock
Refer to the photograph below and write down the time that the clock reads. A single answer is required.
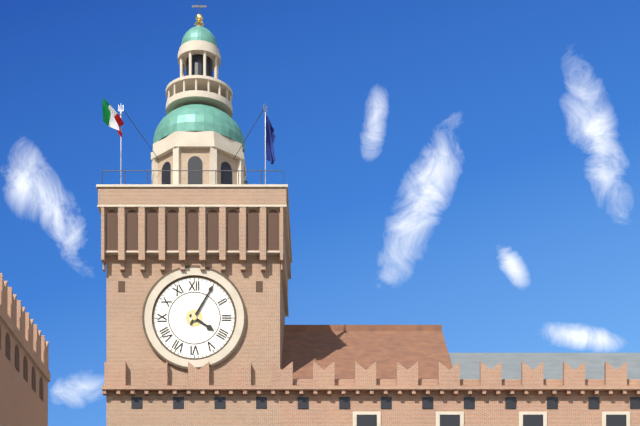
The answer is 4:05
